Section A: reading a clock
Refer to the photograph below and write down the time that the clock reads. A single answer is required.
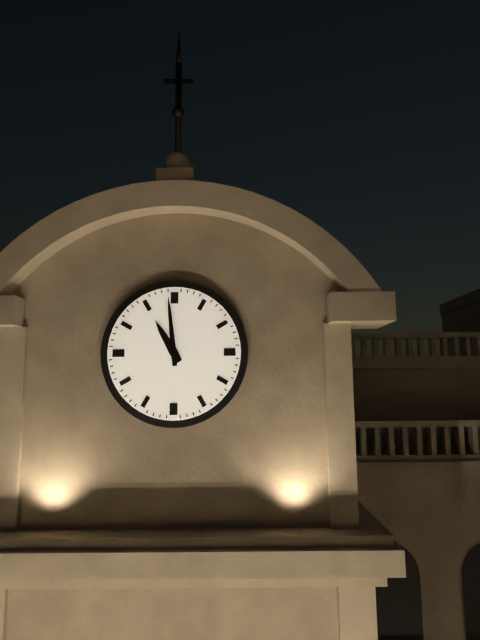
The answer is 10:59
